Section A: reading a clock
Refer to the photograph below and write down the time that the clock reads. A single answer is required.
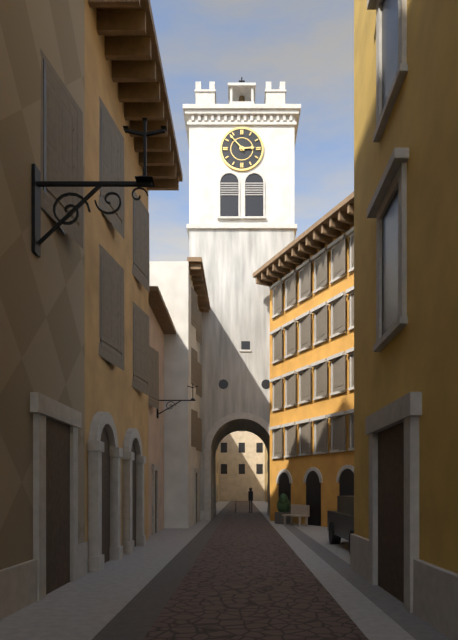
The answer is 2:53
